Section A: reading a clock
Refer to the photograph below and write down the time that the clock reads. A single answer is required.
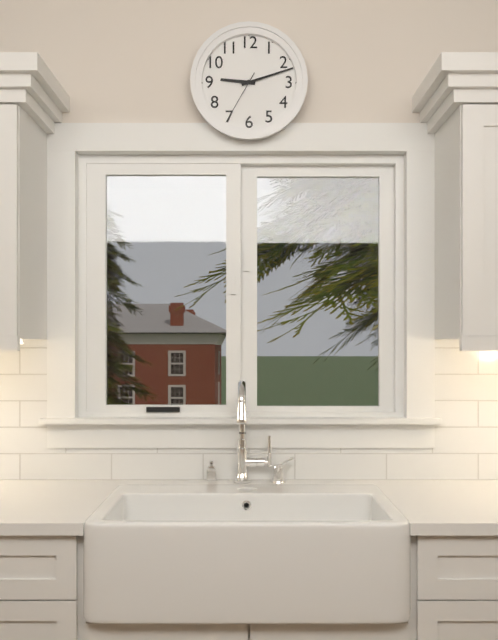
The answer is 9:12:35
